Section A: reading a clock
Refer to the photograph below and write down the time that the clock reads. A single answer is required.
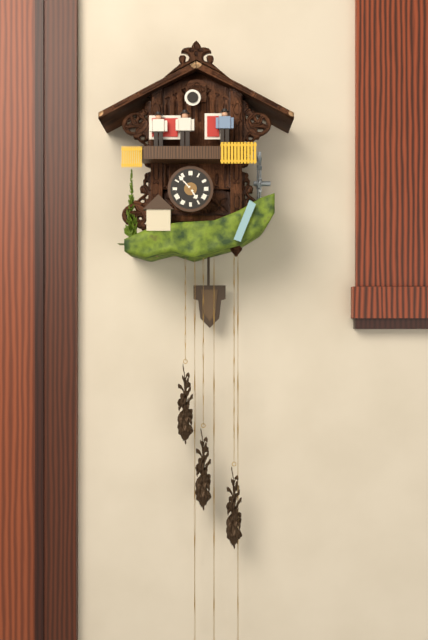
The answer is 4:53
